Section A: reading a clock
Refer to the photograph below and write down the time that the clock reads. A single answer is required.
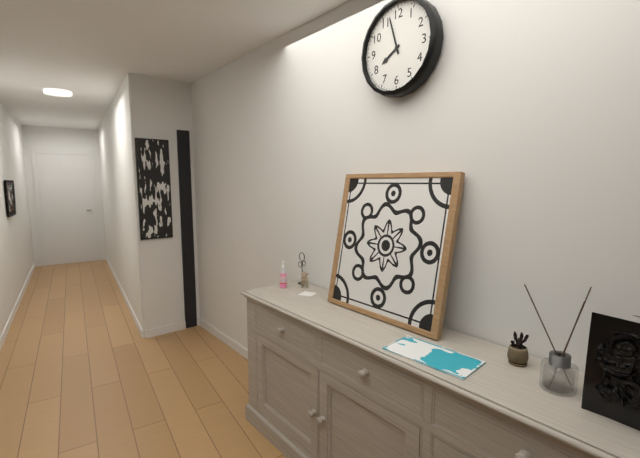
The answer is 7:57
